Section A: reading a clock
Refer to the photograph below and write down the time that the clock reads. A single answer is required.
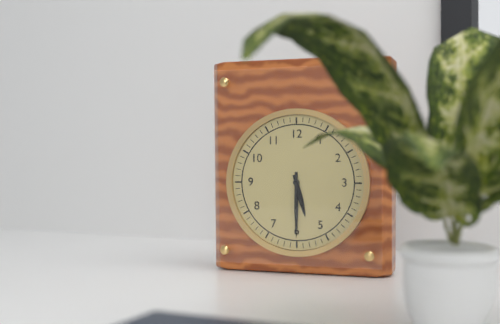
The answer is 5:30
